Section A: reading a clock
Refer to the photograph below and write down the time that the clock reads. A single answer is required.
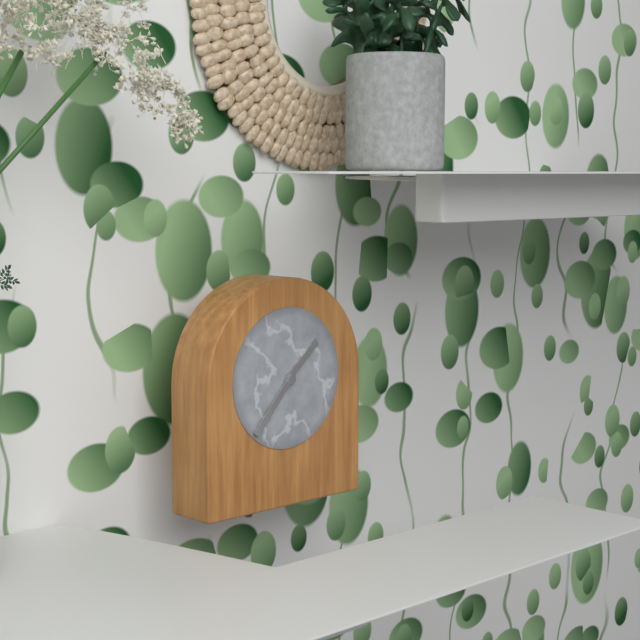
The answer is 1:37
